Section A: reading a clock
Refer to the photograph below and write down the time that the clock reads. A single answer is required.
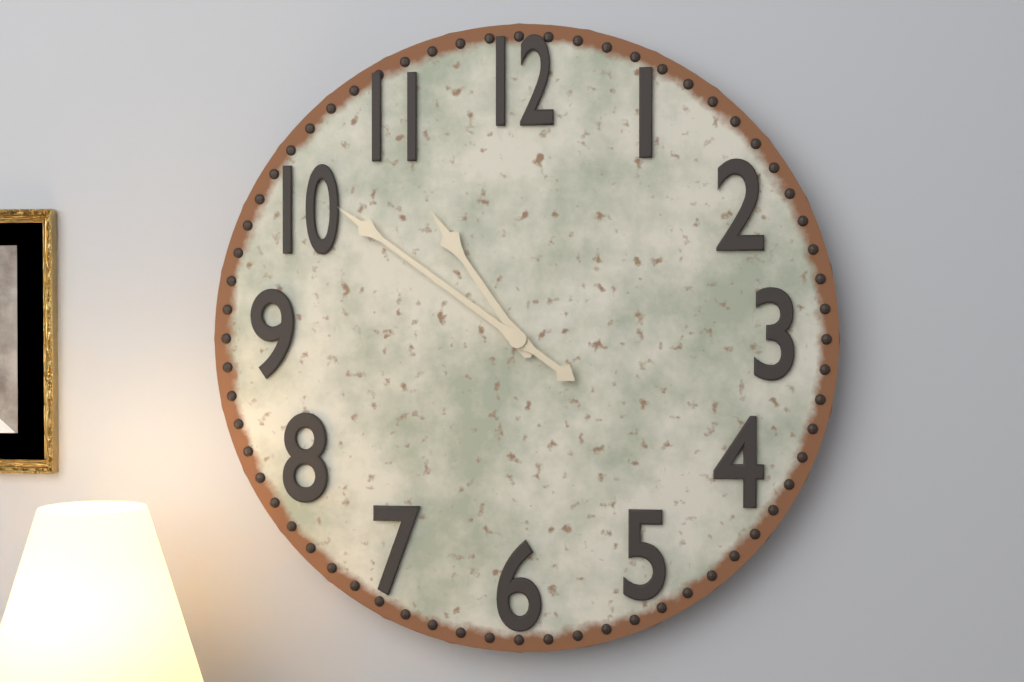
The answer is 10:51
